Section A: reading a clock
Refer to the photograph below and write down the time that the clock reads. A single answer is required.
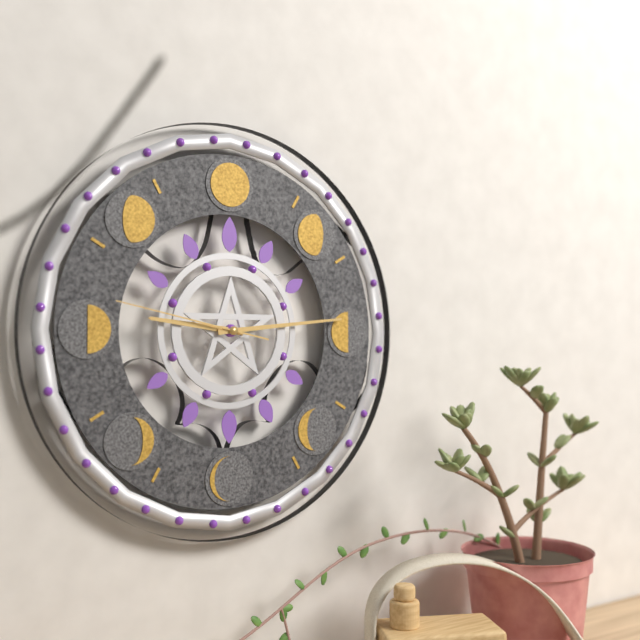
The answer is 9:14:47
